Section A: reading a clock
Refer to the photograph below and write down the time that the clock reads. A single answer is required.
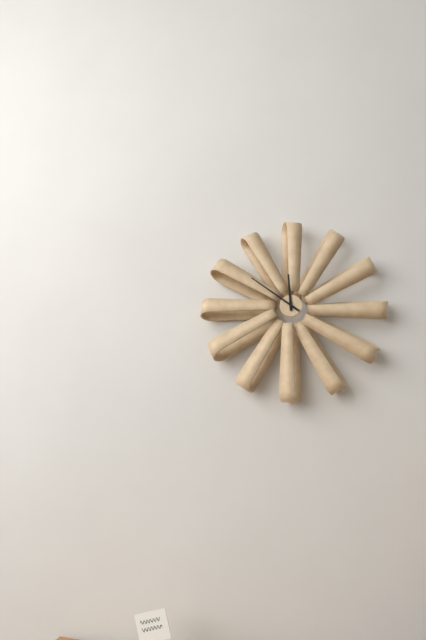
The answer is 11:51
